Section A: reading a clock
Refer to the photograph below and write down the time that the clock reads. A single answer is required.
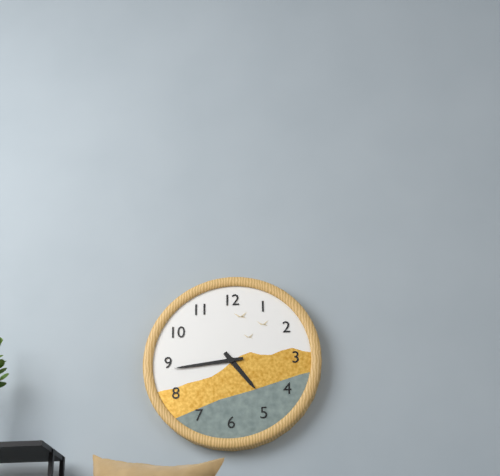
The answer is 4:44
